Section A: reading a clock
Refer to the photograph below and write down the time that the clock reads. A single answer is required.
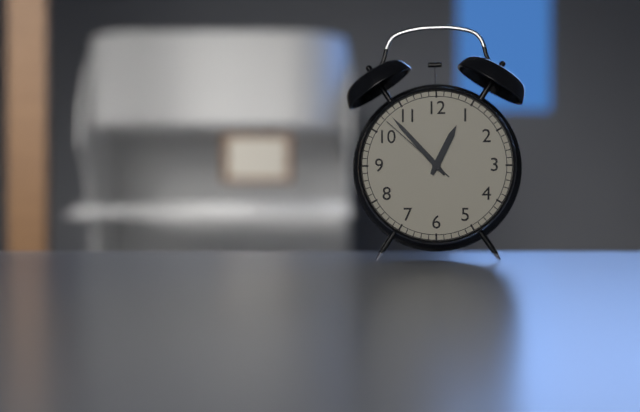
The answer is 12:53:52
